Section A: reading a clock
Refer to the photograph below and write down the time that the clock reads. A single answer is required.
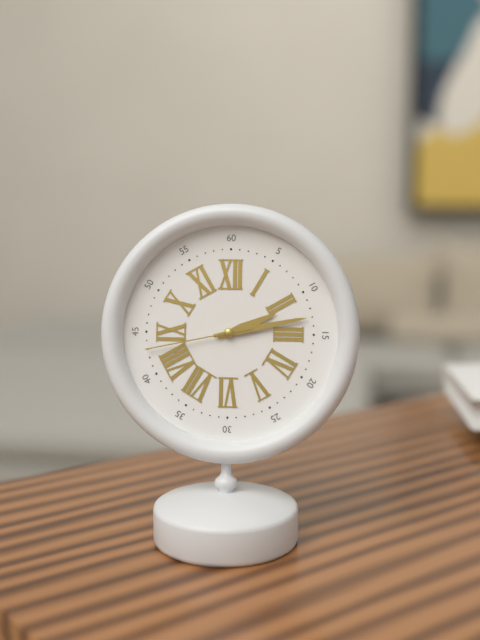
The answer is 2:13:43
